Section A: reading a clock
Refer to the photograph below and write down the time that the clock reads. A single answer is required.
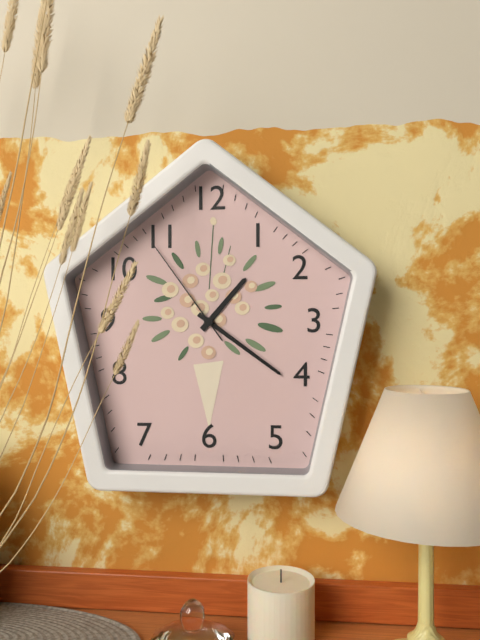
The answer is 1:21:54
